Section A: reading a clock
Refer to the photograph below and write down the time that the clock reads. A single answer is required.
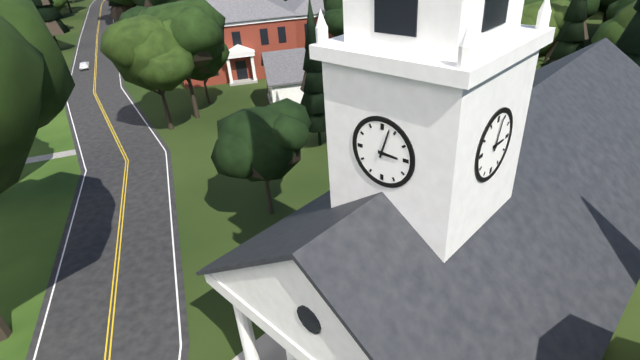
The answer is 3:03
